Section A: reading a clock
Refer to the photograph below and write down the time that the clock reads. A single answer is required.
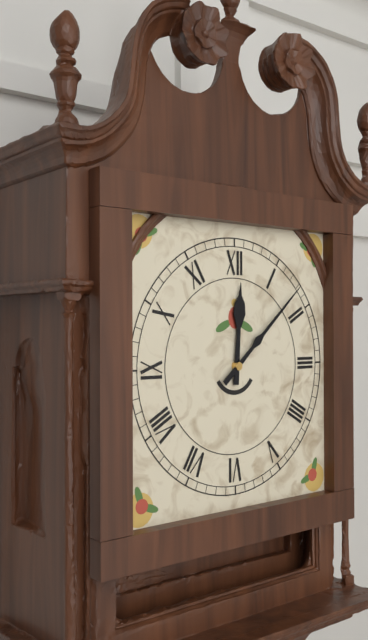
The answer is 12:08
